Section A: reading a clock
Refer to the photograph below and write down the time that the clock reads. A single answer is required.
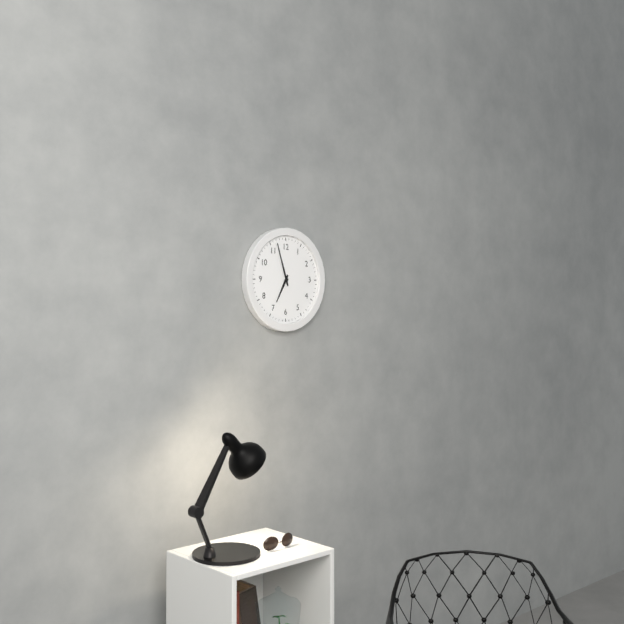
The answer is 6:57
